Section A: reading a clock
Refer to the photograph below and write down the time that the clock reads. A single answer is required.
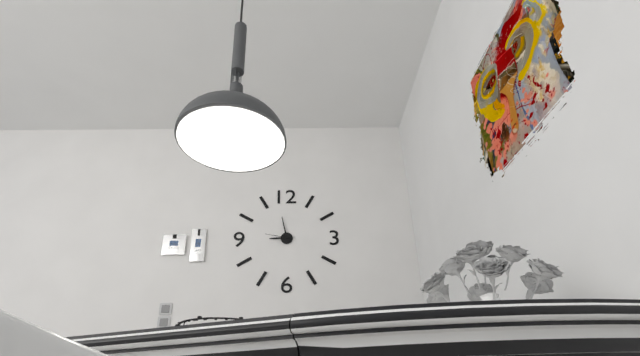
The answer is 8:58
